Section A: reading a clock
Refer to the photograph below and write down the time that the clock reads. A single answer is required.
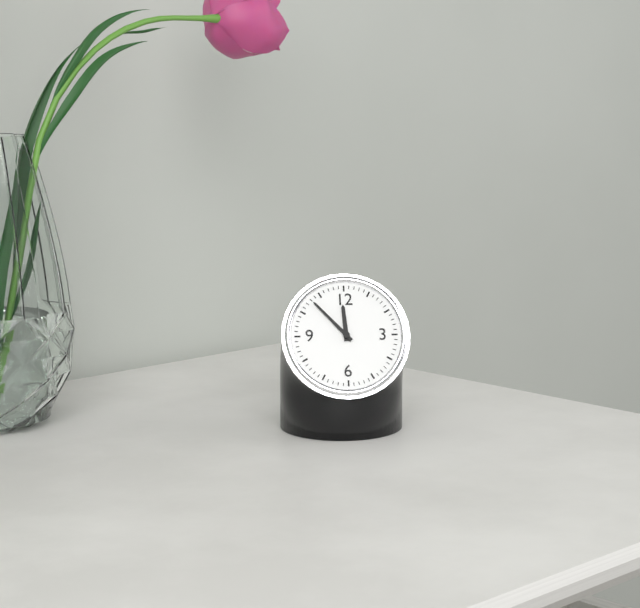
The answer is 11:53
